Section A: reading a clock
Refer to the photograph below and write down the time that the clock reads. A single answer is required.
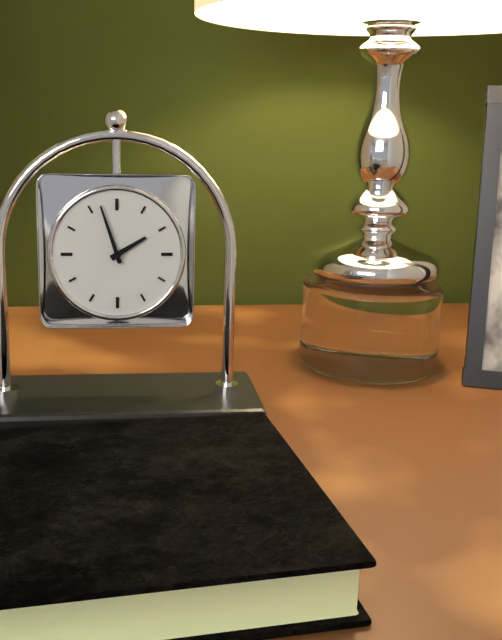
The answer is 1:57
